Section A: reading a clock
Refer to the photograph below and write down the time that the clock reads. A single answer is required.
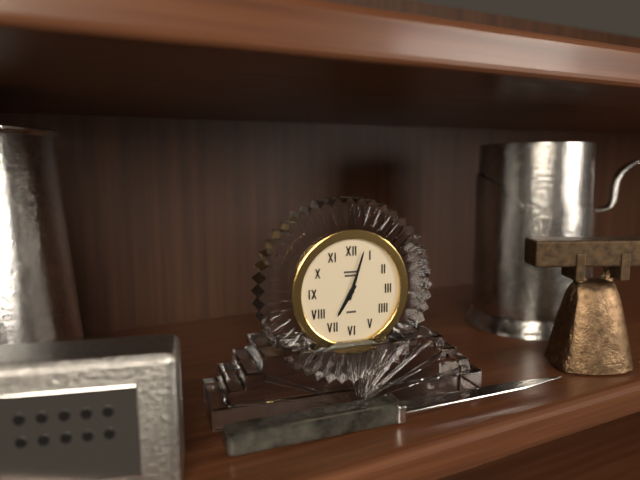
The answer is 7:03
